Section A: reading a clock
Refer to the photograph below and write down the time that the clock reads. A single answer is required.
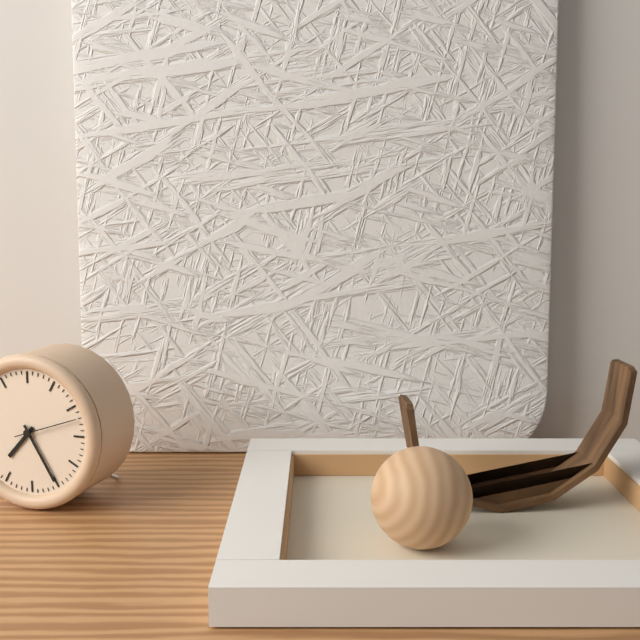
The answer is 7:25:12
